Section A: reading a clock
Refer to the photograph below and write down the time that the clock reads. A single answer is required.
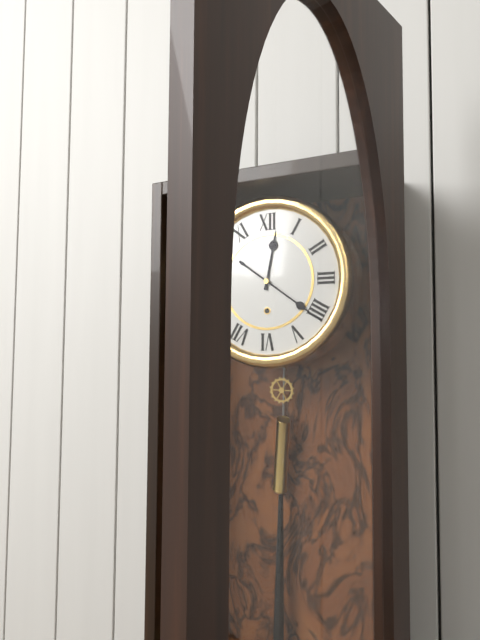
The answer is 12:21
